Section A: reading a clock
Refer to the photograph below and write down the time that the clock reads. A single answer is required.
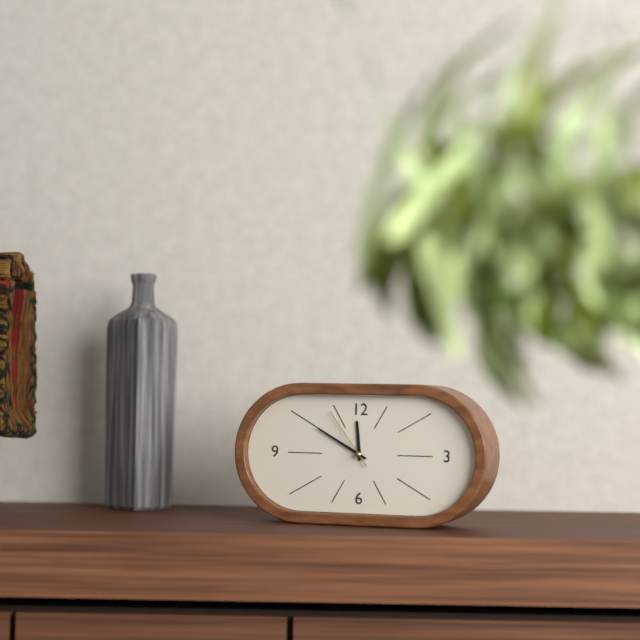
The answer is 11:50:54
